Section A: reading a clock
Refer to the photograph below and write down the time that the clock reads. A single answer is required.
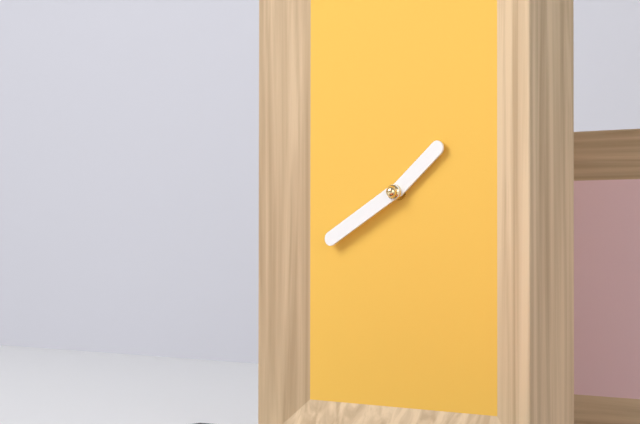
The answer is 1:40
